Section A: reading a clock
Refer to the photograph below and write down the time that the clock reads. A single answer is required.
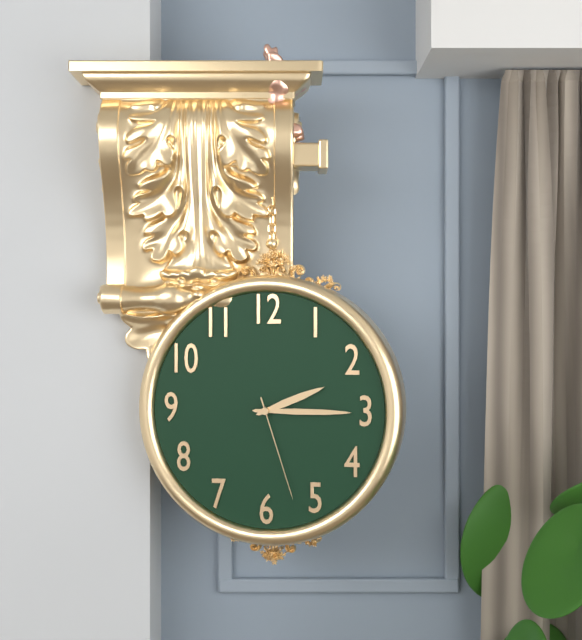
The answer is 2:15:27
